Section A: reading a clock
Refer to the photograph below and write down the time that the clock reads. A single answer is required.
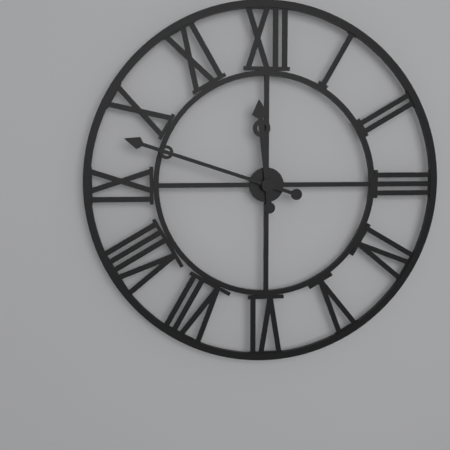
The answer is 11:48
